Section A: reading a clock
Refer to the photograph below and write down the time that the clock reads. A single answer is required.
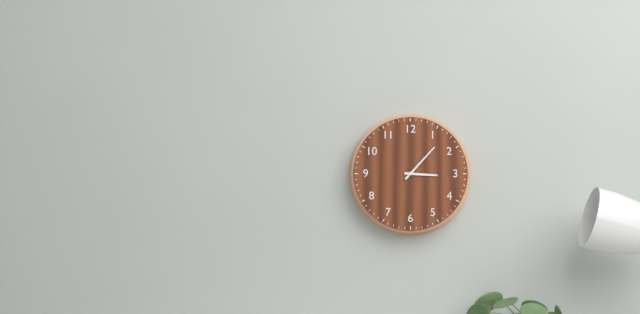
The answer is 3:07
